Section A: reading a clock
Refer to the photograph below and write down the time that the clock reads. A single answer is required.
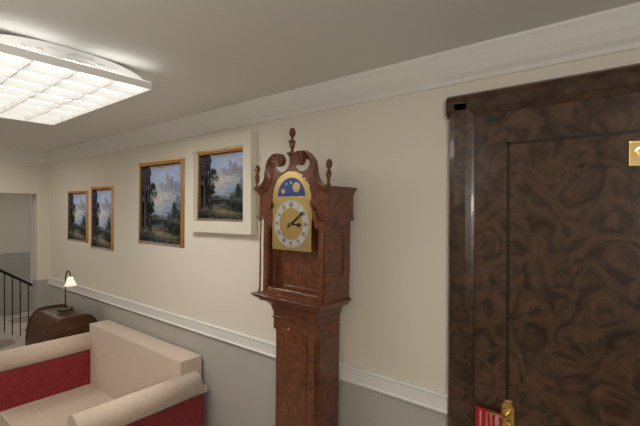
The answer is 3:09
